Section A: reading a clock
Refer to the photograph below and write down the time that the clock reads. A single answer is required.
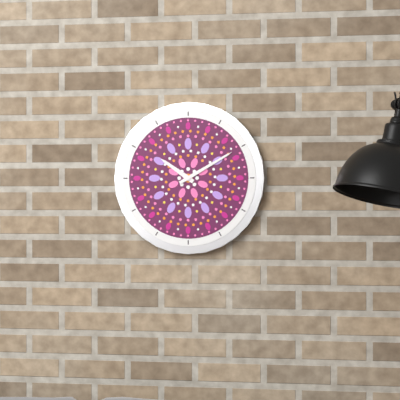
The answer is 10:10
